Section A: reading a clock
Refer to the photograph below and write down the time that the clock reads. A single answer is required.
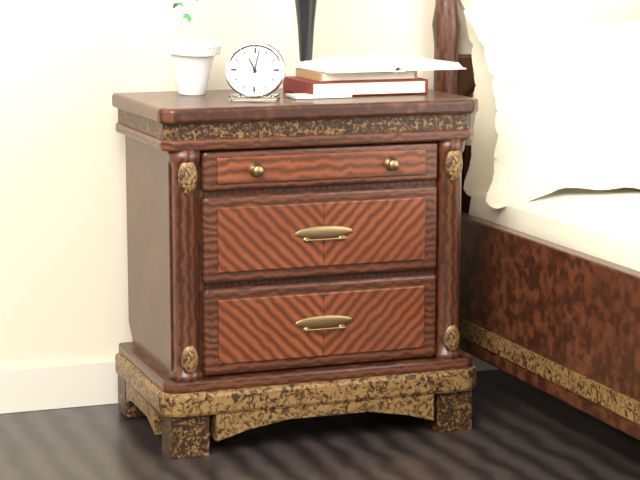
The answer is 11:02
